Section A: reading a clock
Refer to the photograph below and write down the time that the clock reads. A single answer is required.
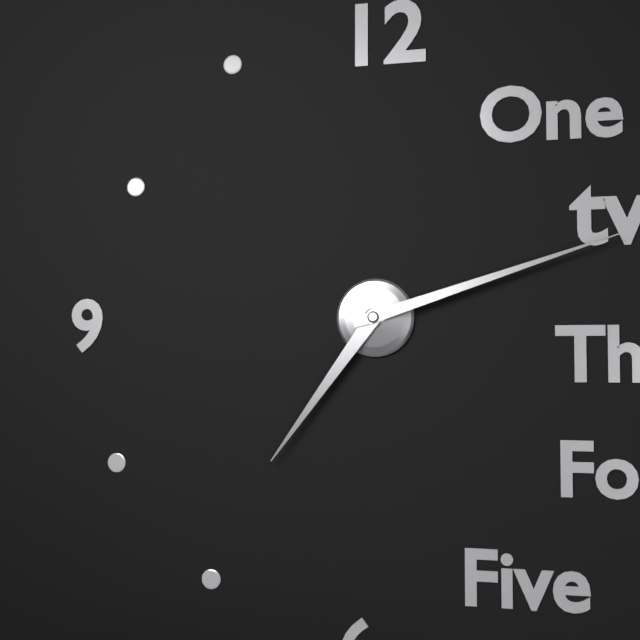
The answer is 7:12
